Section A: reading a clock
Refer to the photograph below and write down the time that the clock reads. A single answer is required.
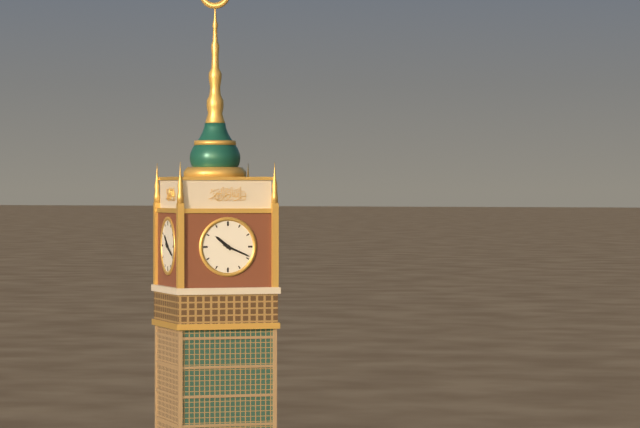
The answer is 10:19
